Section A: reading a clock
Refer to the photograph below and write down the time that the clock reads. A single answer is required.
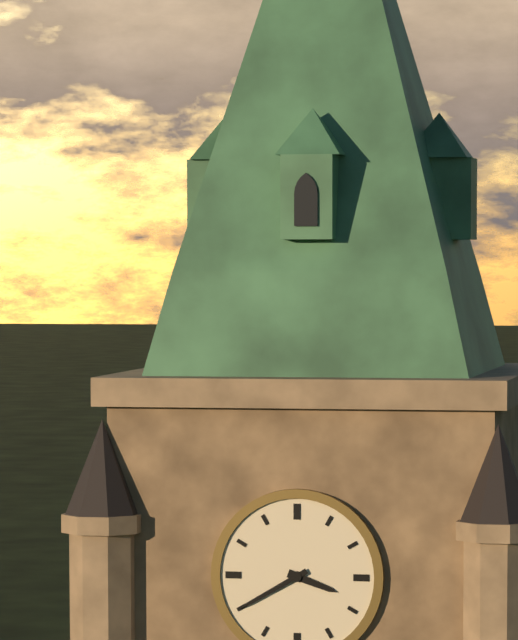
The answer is 3:40
